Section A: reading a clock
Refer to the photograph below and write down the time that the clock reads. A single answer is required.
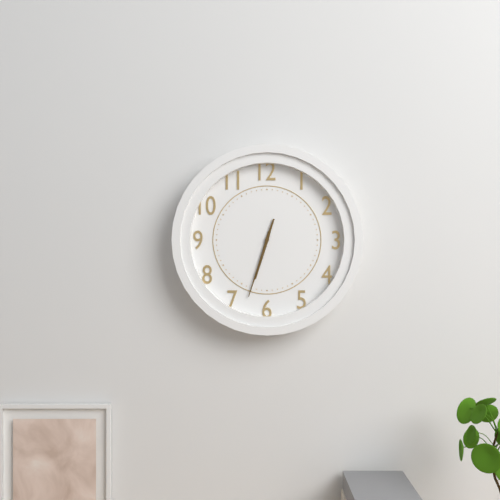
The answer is 6:33
